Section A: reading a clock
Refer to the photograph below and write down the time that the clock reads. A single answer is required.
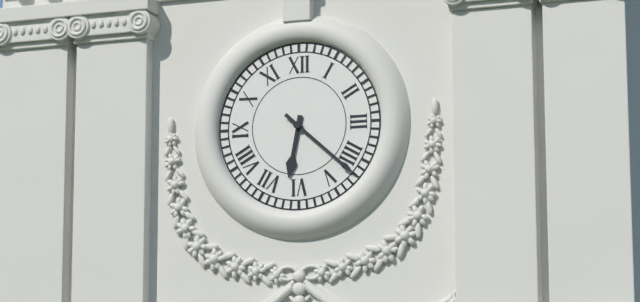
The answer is 6:22
